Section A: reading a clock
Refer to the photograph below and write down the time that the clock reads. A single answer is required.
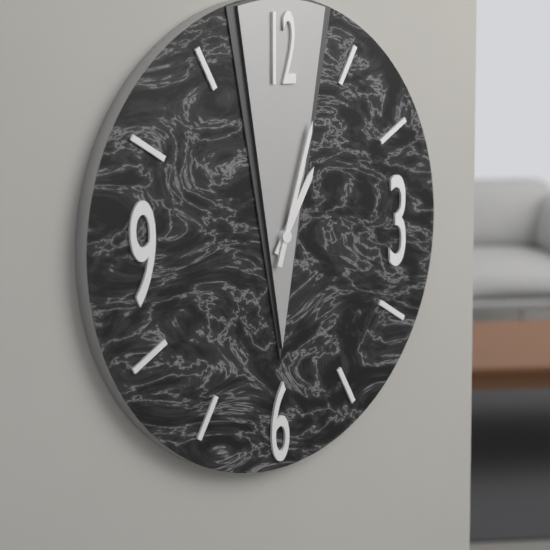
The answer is 1:03
